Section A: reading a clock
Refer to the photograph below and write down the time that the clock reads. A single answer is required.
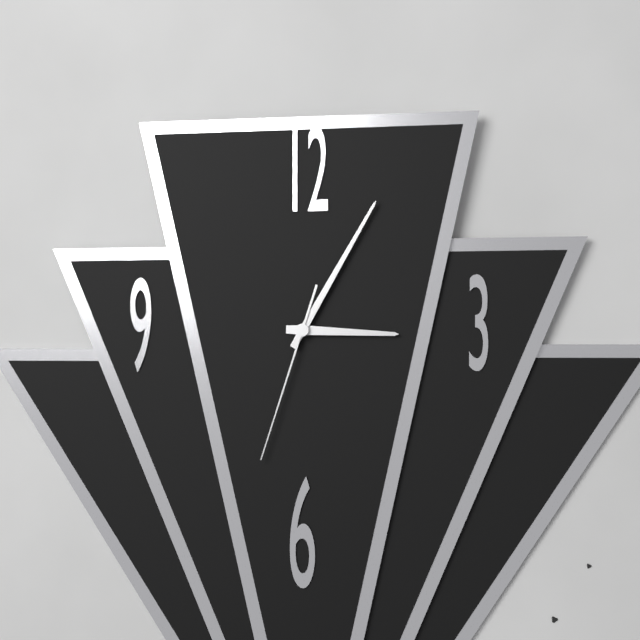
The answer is 3:05:33
